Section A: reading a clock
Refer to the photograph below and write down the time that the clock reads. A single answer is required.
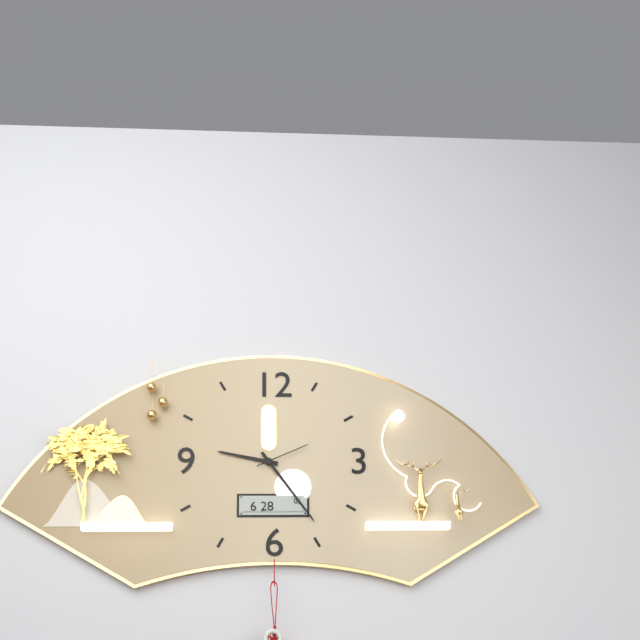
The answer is 9:24:11
